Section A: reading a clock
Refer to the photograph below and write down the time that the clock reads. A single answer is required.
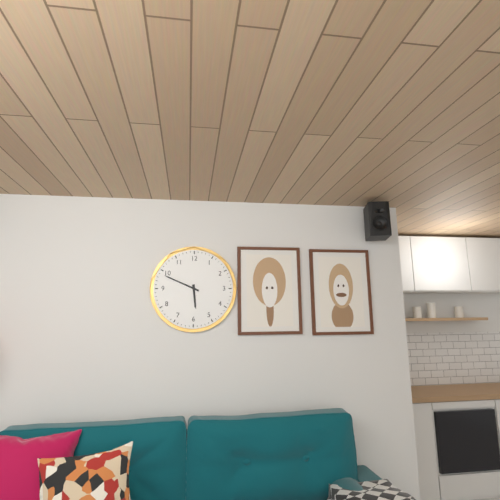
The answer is 5:49
